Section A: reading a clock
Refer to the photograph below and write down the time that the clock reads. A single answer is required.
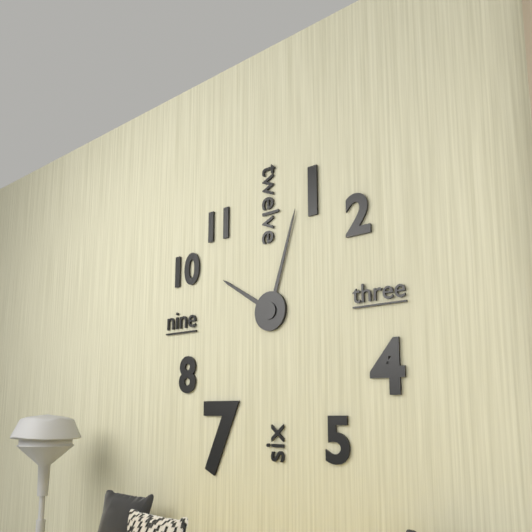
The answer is 10:03
